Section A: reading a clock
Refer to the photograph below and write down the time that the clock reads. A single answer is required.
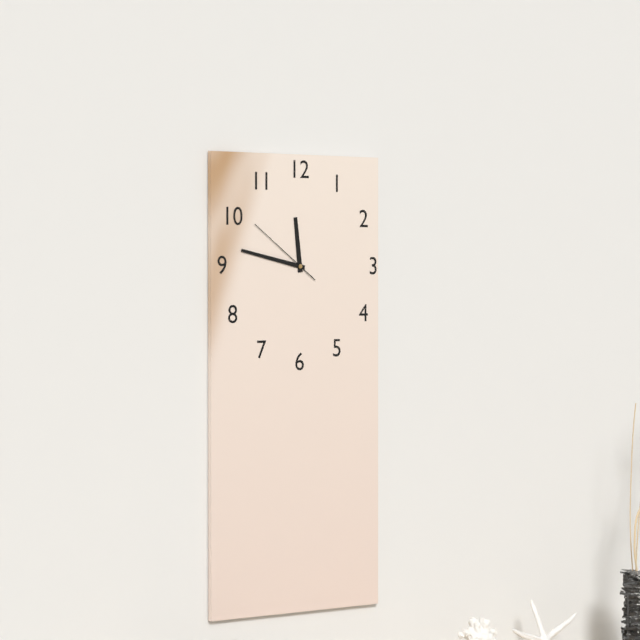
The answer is 11:47:51
